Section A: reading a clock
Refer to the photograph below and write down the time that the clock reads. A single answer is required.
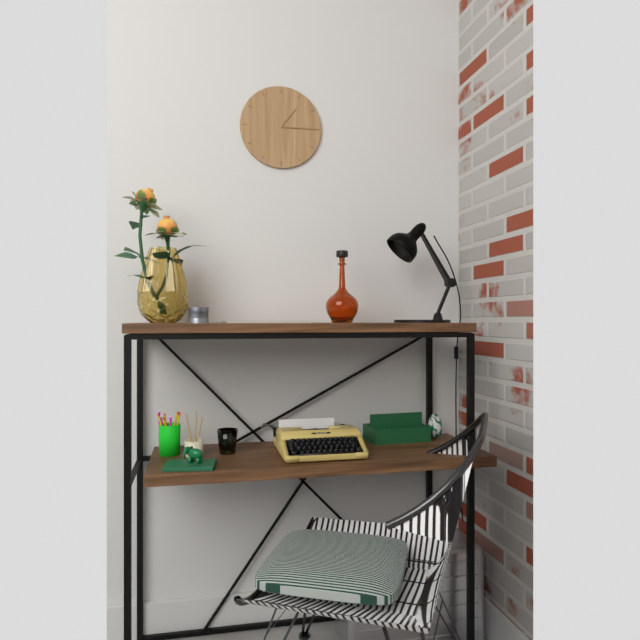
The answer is 1:15
